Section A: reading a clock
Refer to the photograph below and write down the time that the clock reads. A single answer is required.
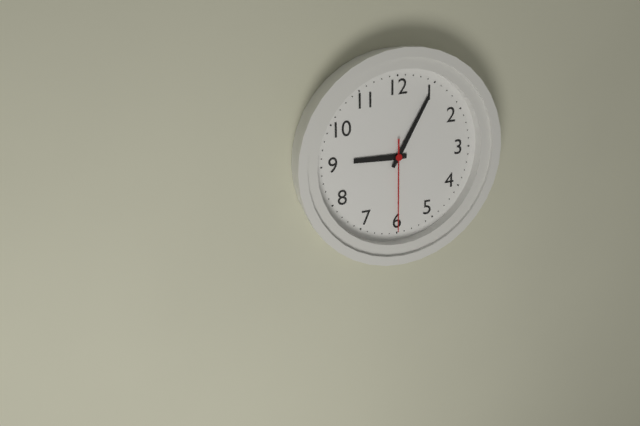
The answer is 9:05:30
